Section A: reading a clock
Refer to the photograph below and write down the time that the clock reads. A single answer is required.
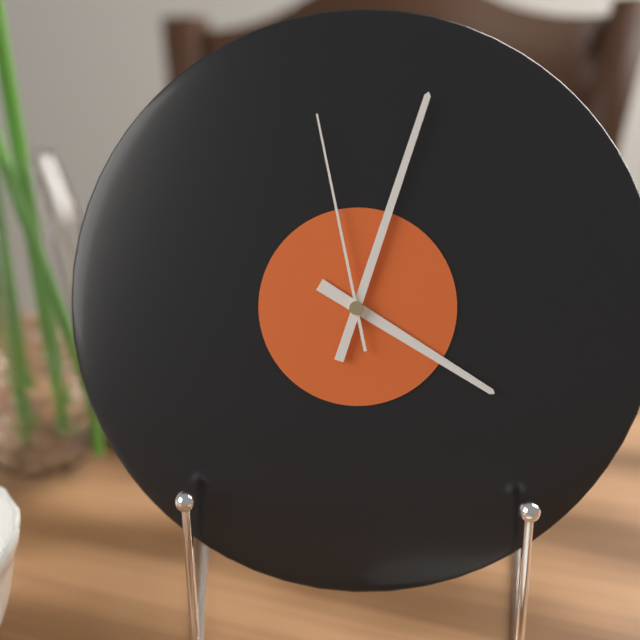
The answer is 4:03:58
